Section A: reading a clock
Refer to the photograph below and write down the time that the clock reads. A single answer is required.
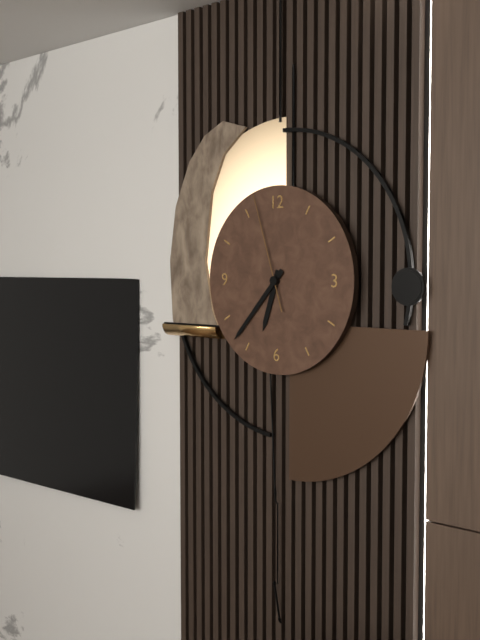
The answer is 6:37:57
